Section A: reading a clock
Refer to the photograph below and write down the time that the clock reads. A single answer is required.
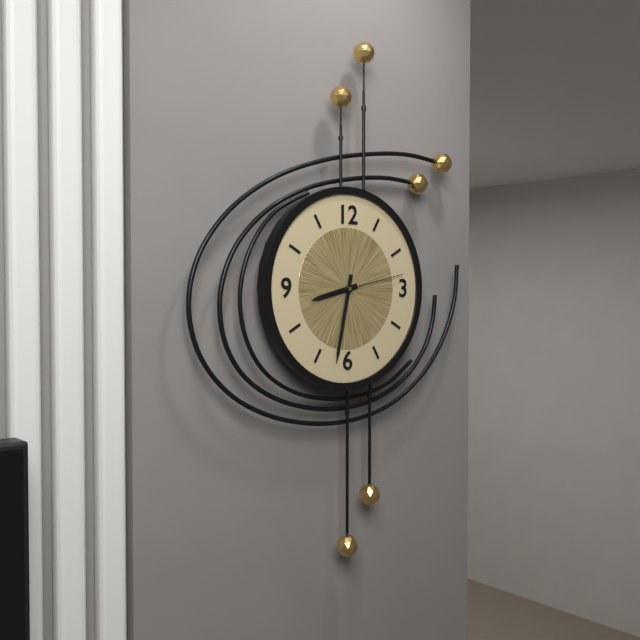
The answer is 8:32:13
